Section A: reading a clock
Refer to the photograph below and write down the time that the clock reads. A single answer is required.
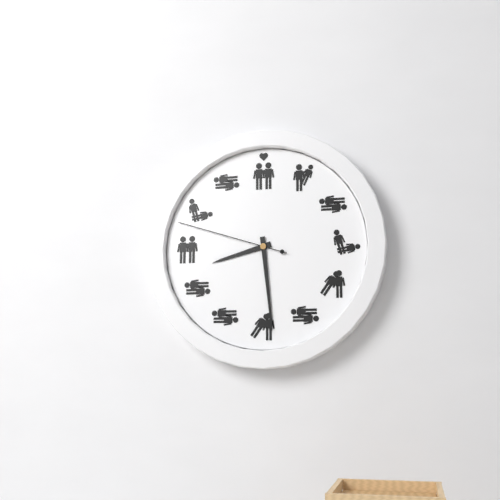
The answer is 8:29:48
